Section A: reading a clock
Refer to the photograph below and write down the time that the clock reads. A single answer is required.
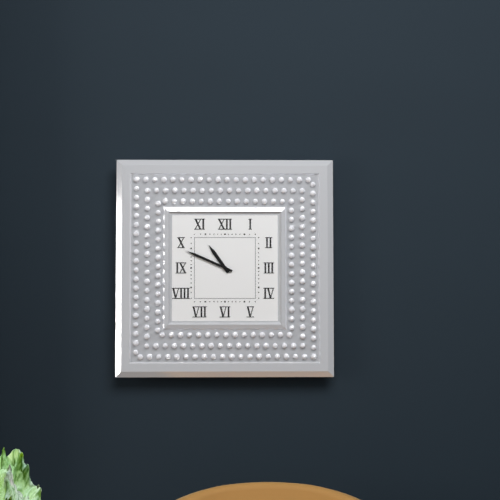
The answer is 10:49
